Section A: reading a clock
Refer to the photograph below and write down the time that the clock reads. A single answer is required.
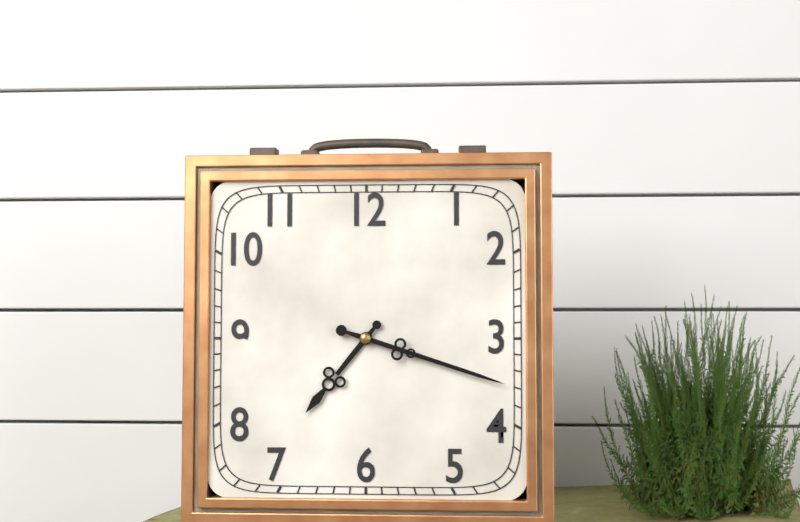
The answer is 7:18
